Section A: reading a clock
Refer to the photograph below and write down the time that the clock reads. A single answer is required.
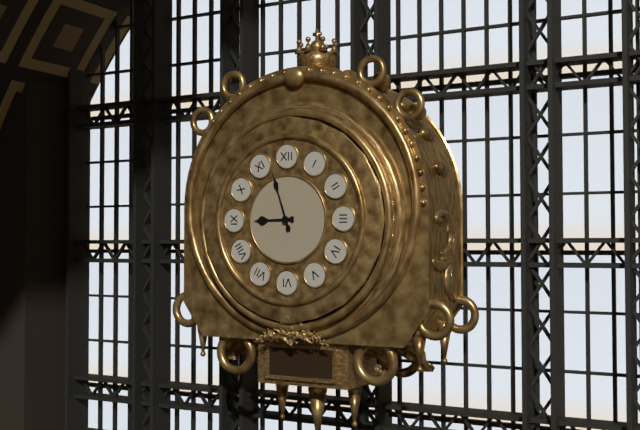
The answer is 8:57
